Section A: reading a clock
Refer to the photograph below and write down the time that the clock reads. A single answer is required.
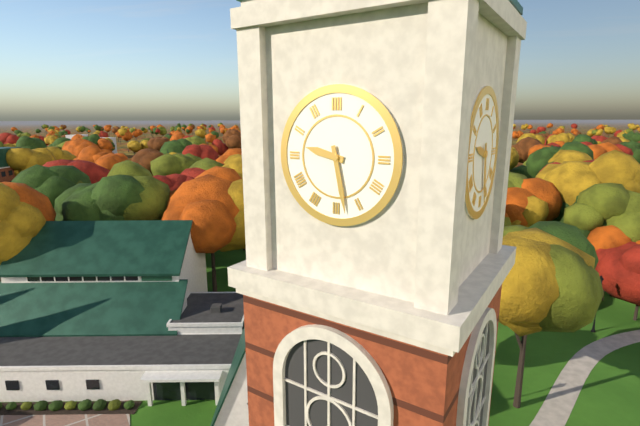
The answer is 9:28
